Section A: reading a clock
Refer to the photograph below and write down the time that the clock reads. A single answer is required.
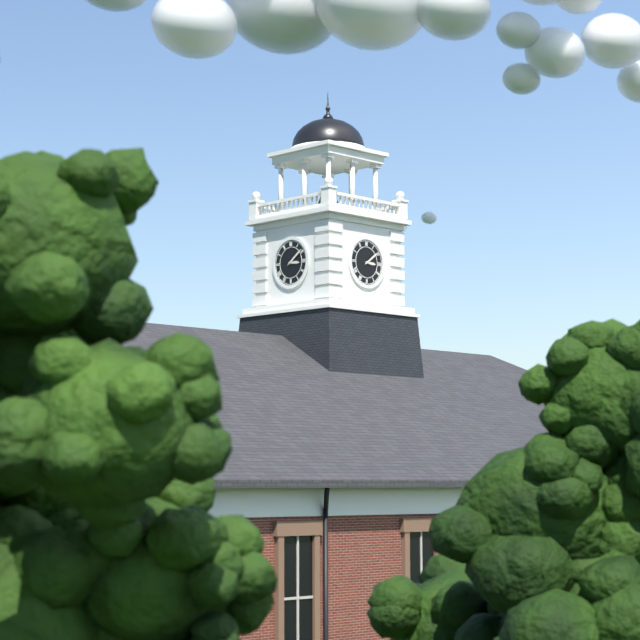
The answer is 3:09
